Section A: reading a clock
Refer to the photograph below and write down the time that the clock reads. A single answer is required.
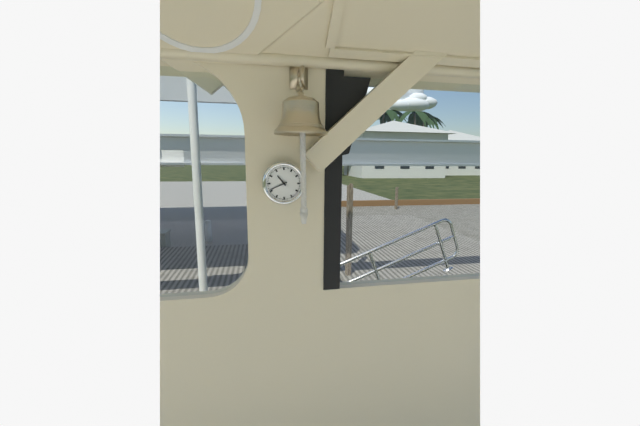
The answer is 10:41
